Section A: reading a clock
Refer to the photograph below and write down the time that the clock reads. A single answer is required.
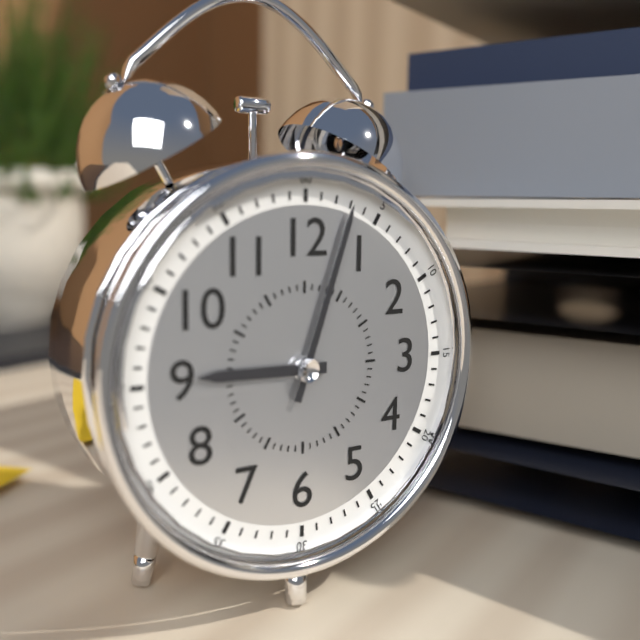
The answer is 9:03
